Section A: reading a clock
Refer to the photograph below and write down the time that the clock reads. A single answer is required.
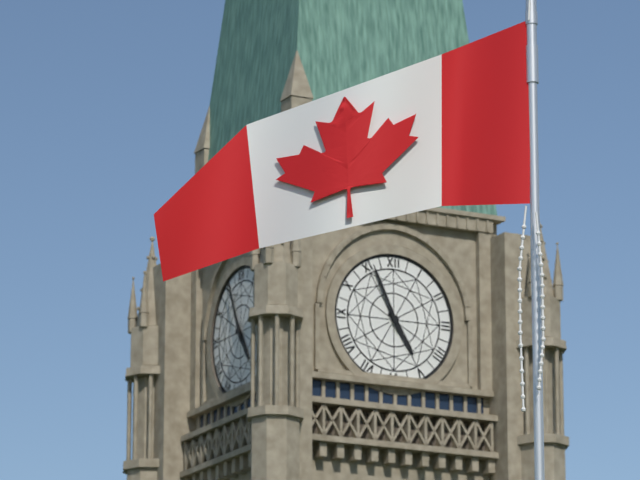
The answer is 4:56
